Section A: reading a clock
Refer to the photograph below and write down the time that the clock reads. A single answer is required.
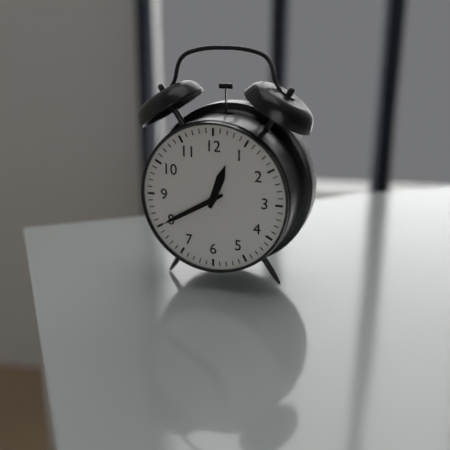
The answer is 12:40
